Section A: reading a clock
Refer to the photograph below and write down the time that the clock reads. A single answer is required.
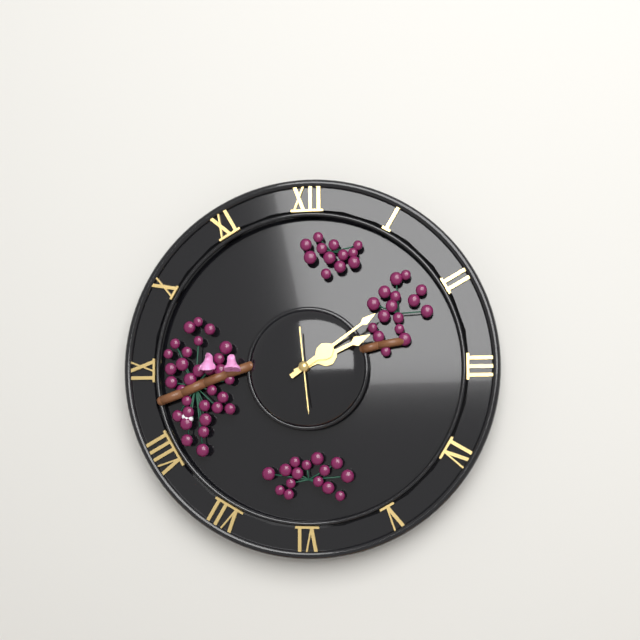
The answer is 2:09:29
